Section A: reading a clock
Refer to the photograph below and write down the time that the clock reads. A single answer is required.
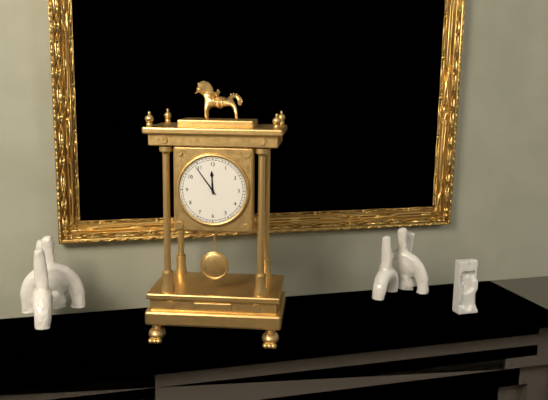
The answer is 11:54
